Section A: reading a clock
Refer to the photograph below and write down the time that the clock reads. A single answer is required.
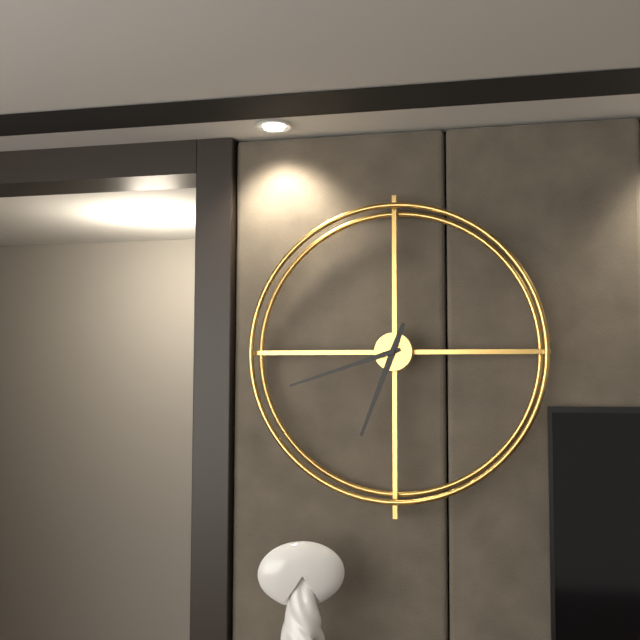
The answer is 6:42
